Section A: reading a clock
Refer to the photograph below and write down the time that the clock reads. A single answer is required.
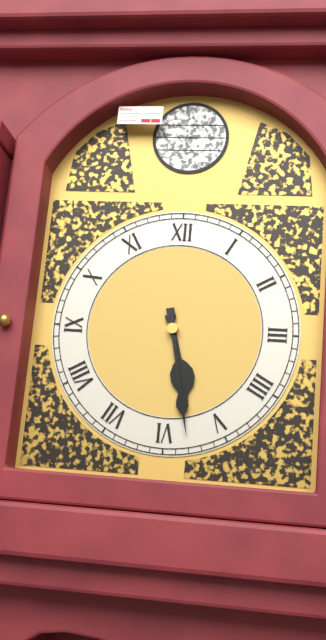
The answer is 5:28
